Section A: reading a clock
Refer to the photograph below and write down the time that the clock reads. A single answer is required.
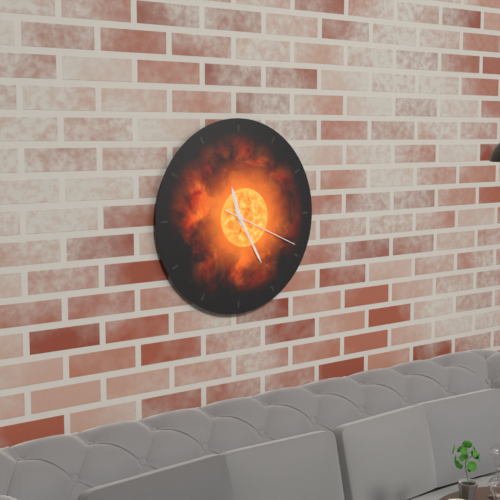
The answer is 11:25:19
